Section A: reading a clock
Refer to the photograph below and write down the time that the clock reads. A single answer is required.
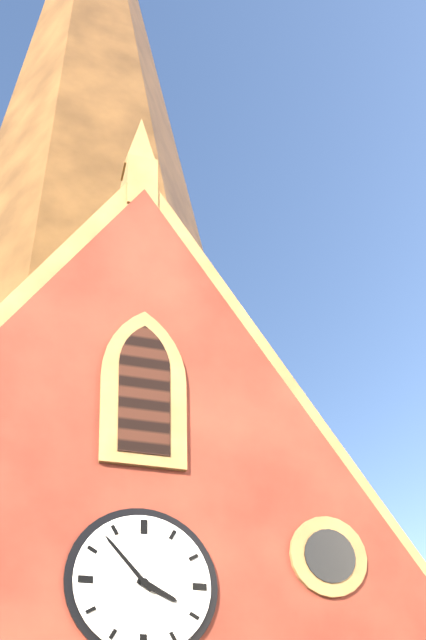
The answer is 3:53
